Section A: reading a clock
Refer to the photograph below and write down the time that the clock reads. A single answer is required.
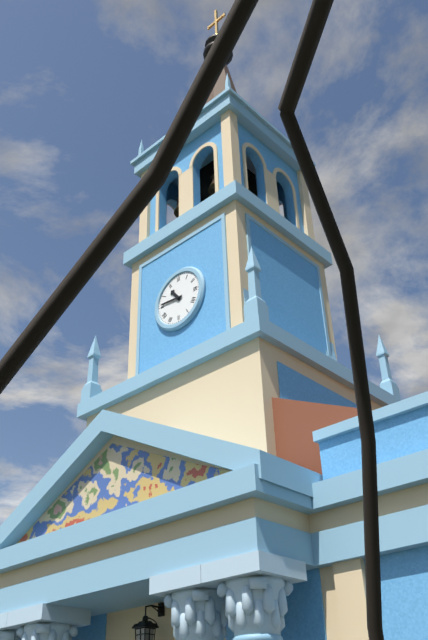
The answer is 10:46
